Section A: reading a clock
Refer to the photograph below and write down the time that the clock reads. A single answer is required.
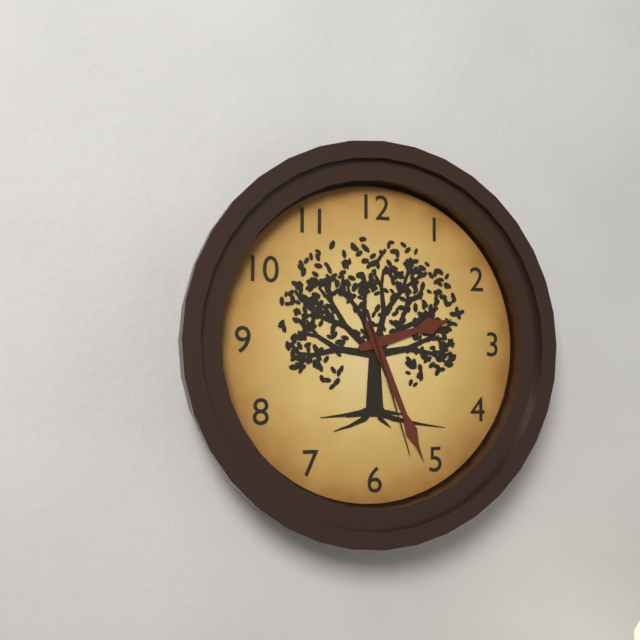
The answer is 2:26:27
